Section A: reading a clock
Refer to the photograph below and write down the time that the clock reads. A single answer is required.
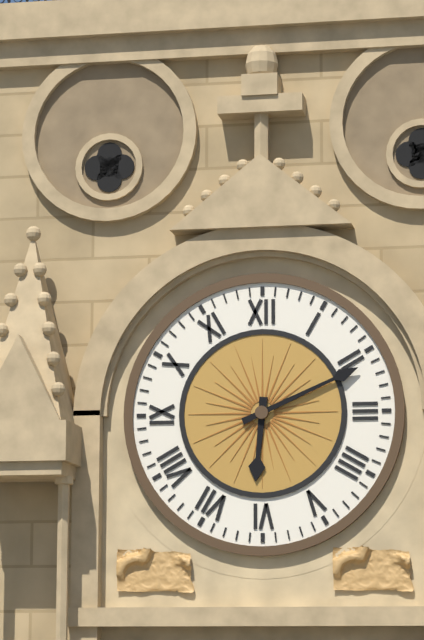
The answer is 6:11
